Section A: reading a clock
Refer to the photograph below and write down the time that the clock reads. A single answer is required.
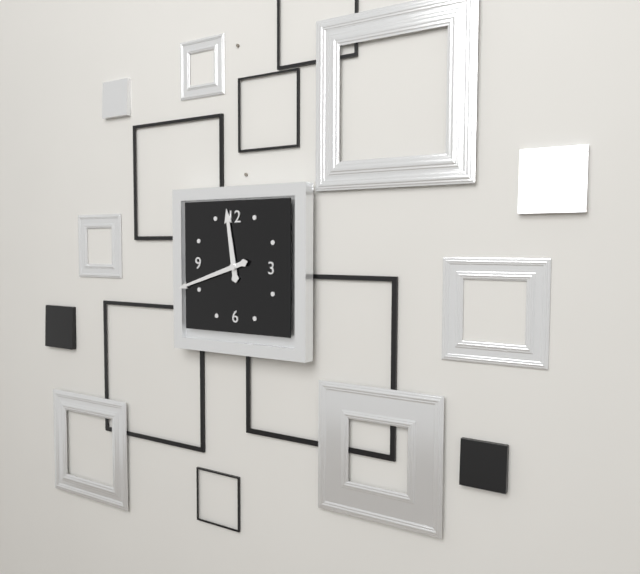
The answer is 11:42
